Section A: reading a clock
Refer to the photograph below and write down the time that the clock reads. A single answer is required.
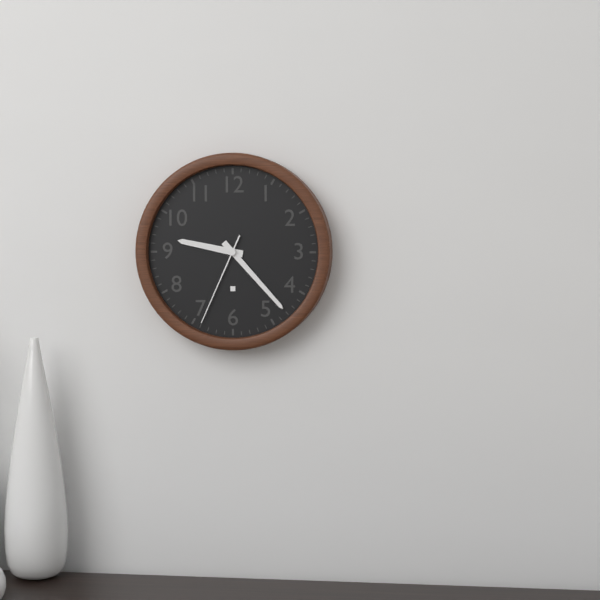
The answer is 9:23:34
